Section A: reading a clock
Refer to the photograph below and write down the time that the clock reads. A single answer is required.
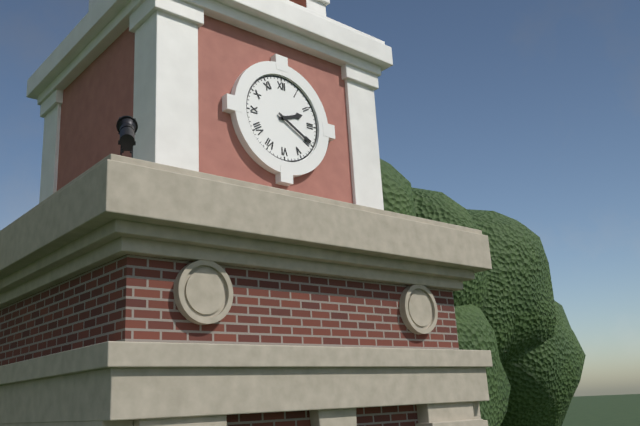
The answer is 2:20
